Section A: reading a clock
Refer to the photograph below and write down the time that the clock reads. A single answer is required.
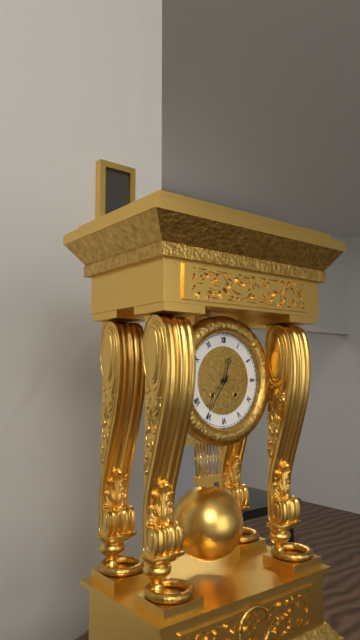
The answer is 12:36
